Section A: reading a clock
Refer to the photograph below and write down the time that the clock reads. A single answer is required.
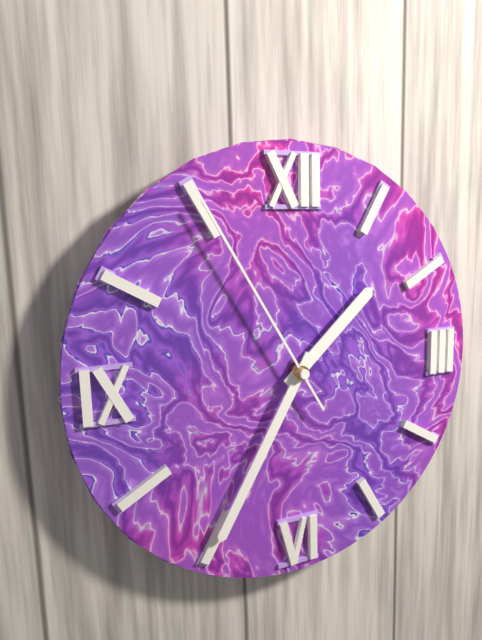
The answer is 1:35:55
